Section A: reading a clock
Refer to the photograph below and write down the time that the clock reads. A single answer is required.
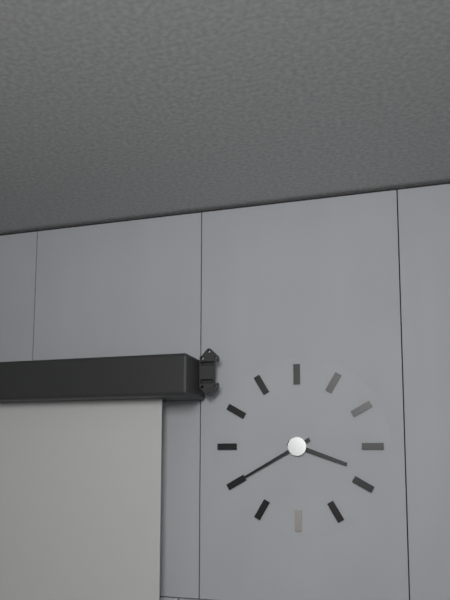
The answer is 3:40
